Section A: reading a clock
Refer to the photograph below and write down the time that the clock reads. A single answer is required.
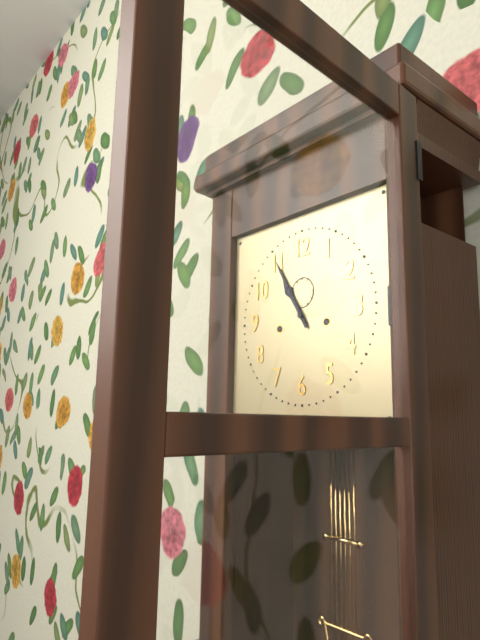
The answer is 10:55
